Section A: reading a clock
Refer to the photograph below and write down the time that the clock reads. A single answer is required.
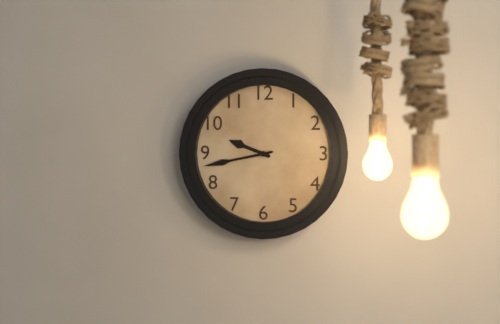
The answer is 9:43
